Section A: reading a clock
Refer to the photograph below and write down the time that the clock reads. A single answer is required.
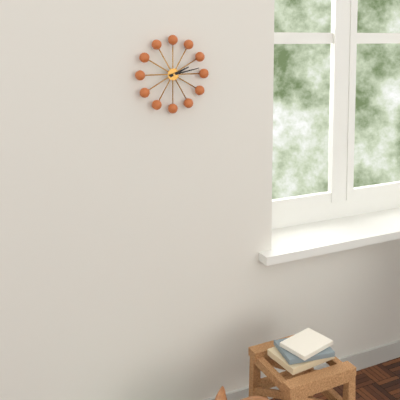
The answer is 2:13
